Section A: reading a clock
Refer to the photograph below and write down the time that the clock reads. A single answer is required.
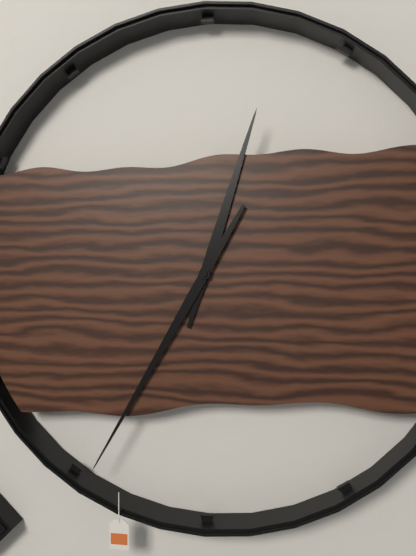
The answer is 12:35
